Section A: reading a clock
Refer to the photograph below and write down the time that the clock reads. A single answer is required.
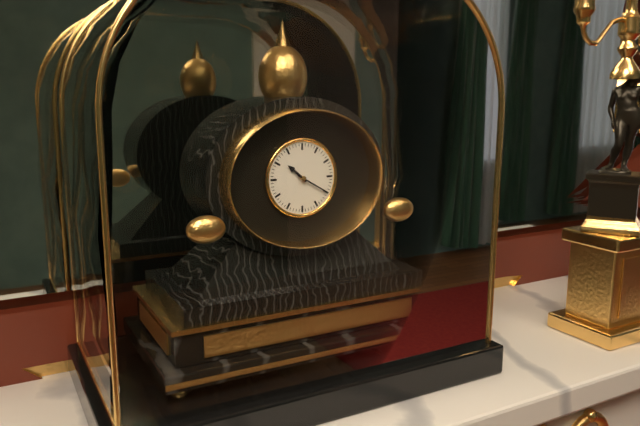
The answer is 10:20
